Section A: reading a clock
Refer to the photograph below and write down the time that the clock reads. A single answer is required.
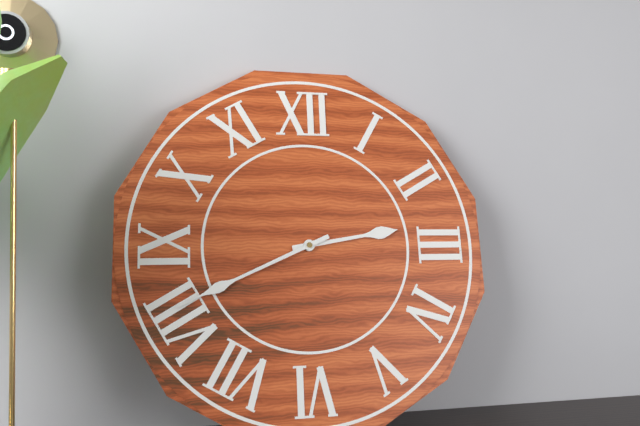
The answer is 2:41
